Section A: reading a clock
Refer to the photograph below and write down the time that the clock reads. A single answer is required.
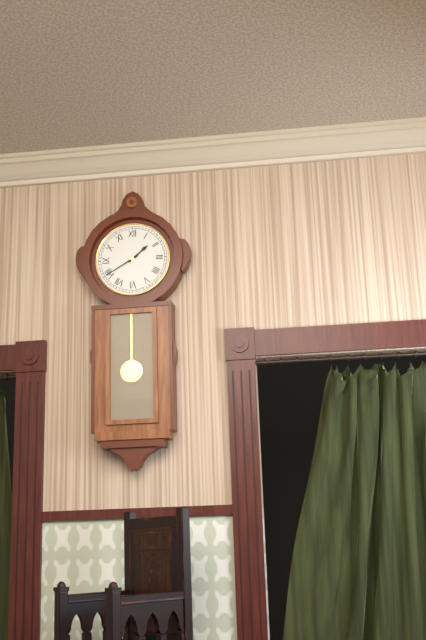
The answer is 1:40
